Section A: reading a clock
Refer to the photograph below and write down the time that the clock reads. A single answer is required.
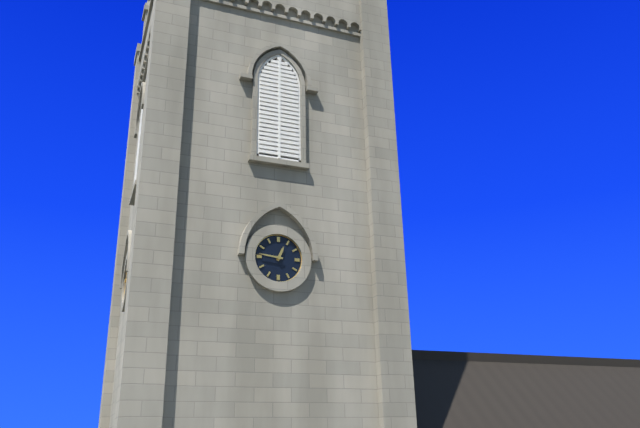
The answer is 12:46
